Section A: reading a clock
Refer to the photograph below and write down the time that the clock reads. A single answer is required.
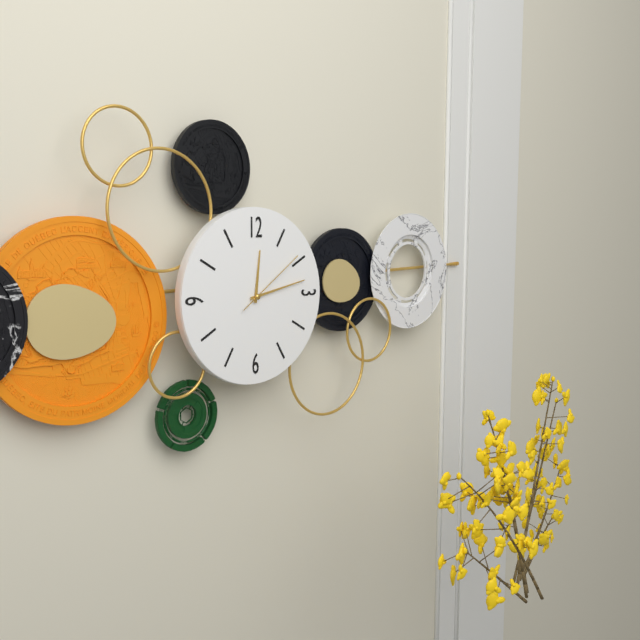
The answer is 12:13:09
